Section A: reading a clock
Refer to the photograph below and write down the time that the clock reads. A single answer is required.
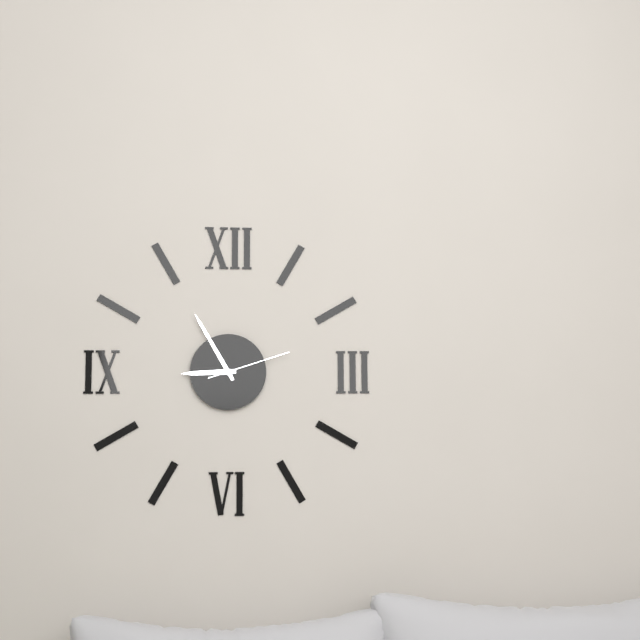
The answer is 8:55:12
